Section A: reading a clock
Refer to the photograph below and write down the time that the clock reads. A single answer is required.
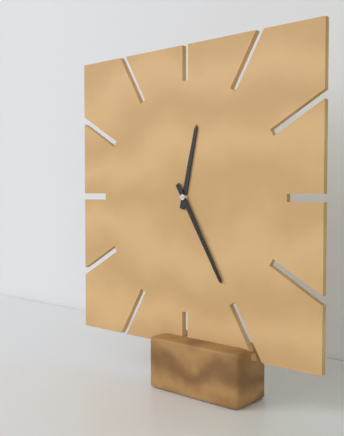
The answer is 12:25
